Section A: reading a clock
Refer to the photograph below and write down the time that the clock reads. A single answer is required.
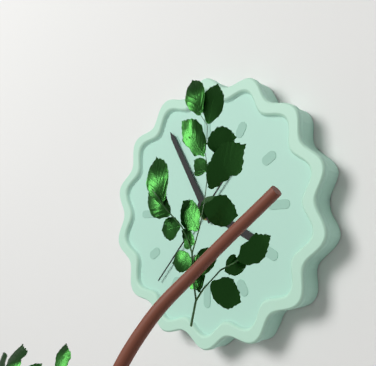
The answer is 3:55:37
